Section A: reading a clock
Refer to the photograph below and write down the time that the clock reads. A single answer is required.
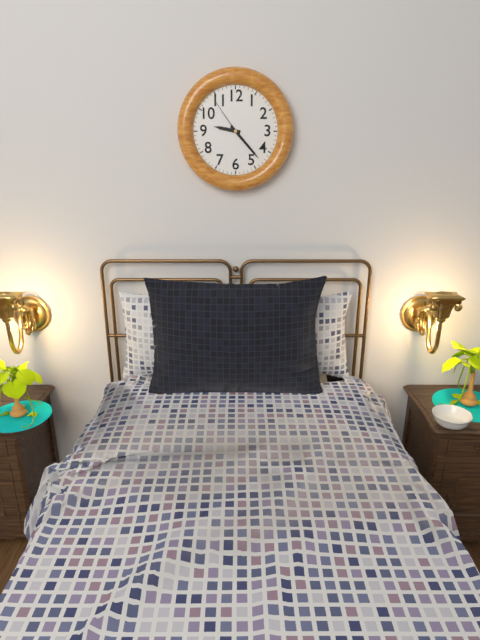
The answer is 9:23
